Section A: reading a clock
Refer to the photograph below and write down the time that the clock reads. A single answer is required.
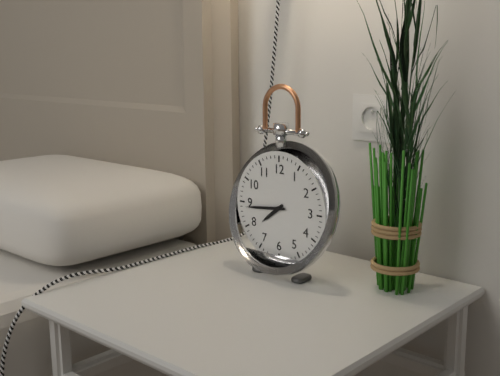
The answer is 7:44
